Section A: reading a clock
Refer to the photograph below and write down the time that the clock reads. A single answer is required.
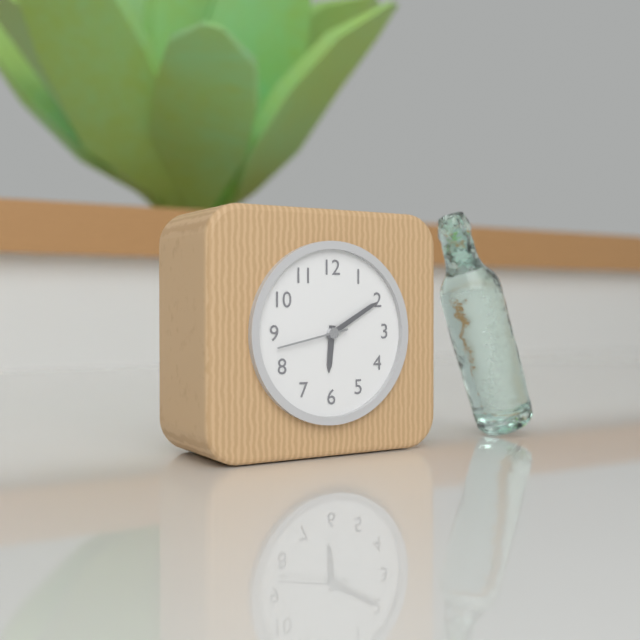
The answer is 6:10:43
